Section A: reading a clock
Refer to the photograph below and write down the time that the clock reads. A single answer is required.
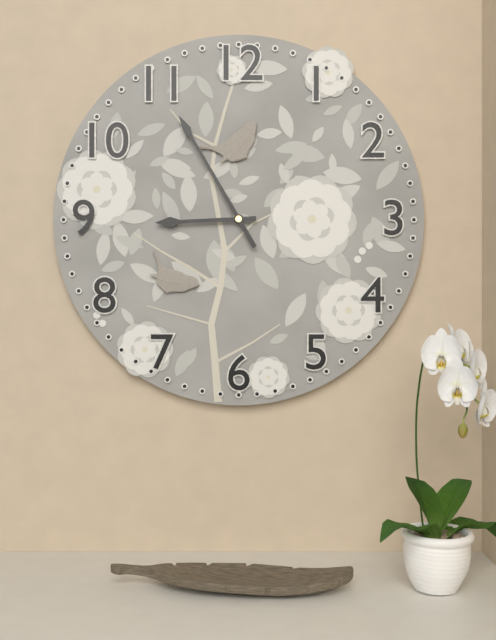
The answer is 8:55
